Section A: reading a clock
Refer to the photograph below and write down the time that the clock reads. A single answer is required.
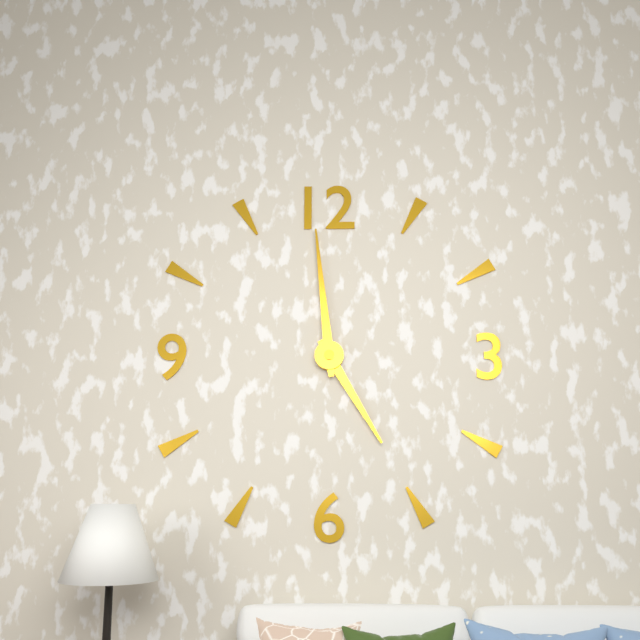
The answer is 4:59
